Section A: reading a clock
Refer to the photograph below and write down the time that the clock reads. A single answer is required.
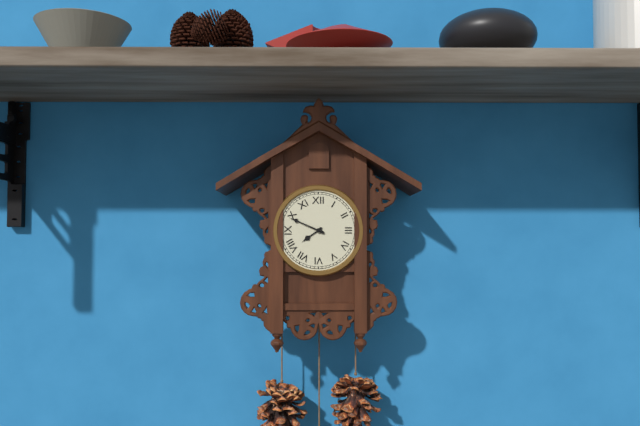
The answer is 7:49
